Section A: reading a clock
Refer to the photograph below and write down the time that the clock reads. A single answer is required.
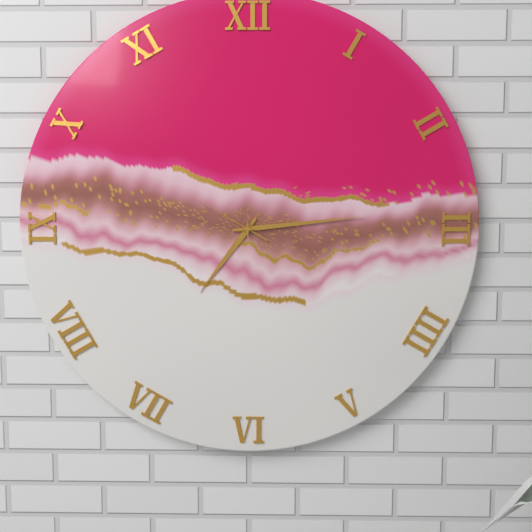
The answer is 7:14:50
